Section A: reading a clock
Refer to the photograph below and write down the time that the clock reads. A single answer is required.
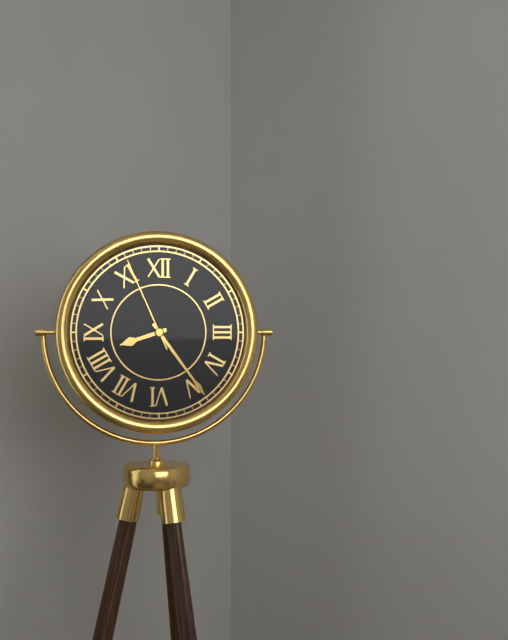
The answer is 8:24:56
